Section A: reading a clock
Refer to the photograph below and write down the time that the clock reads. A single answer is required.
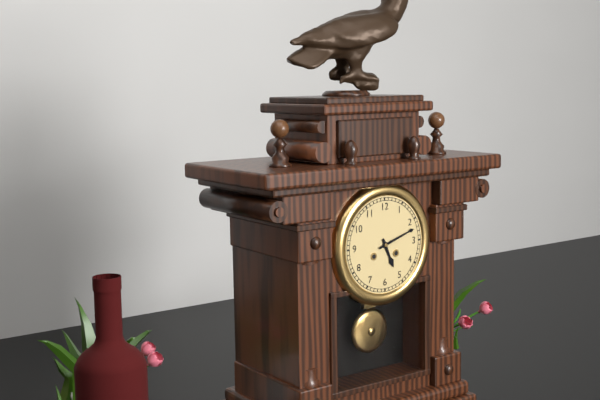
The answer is 5:12
